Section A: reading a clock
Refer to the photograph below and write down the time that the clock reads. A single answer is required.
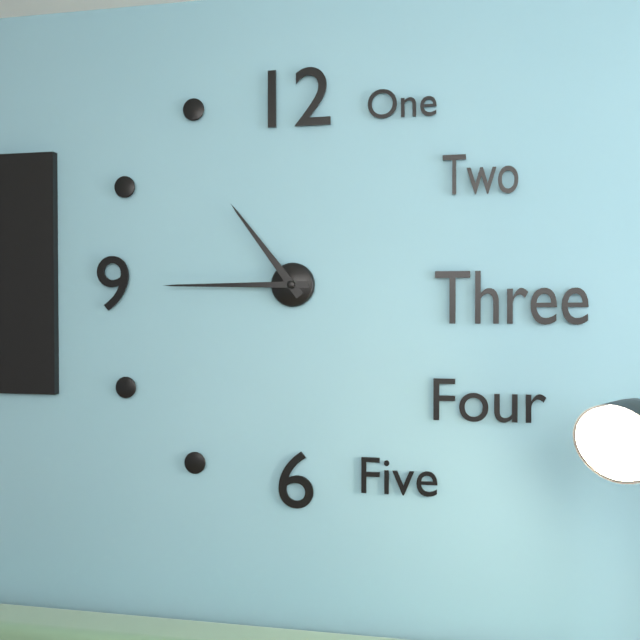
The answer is 10:45
